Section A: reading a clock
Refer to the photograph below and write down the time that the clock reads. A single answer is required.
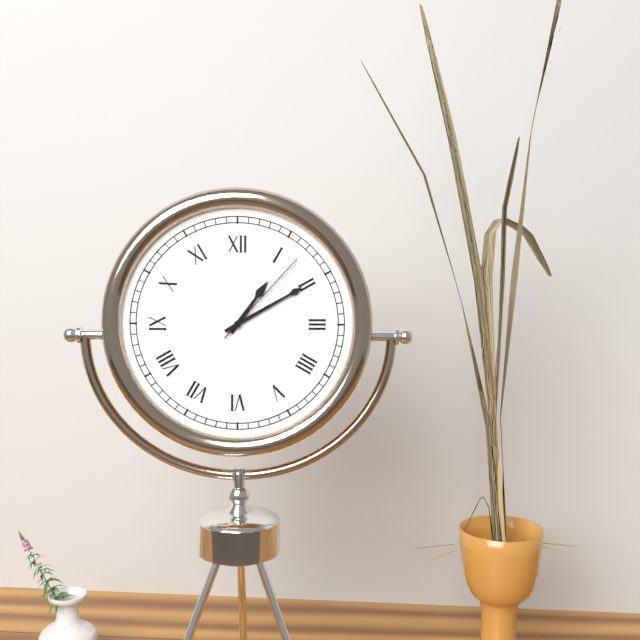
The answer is 1:10:07
